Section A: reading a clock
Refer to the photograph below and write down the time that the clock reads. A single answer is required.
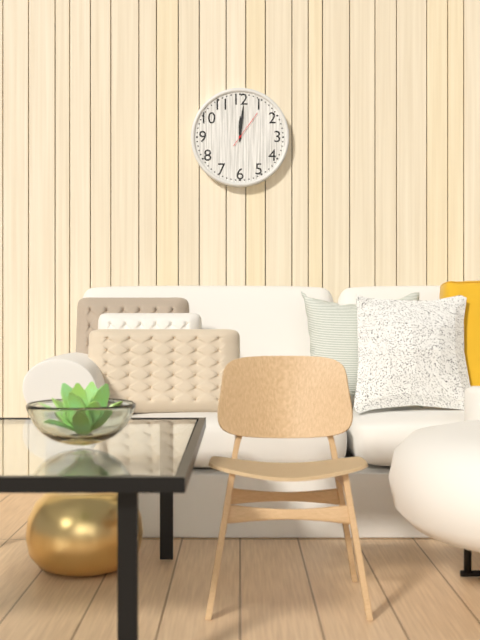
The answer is 12:01
